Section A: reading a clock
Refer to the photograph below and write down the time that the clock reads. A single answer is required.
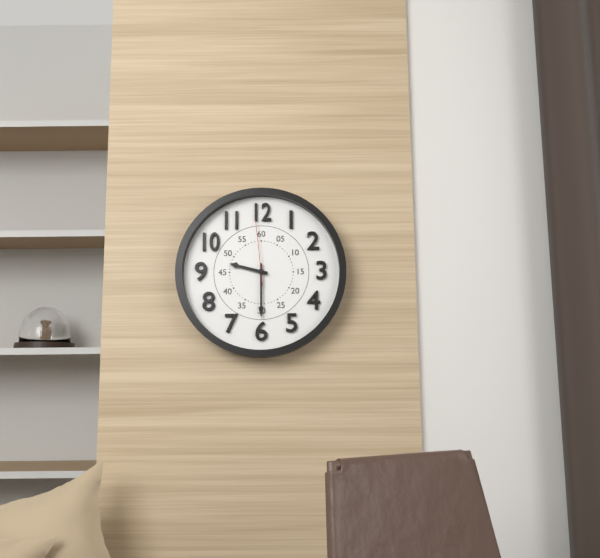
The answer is 9:30:59
